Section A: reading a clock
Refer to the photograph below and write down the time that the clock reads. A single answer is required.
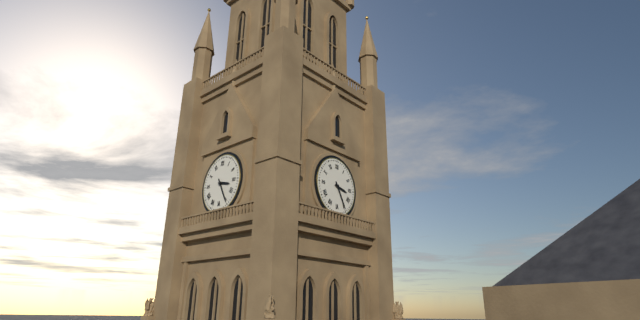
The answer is 3:25
